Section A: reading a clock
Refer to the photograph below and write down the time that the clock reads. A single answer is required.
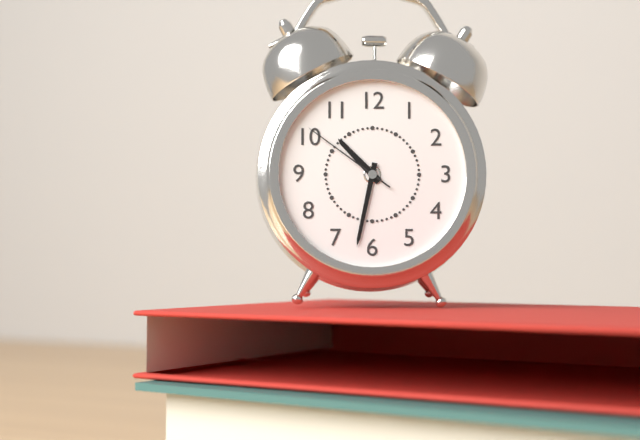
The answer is 10:32:51
